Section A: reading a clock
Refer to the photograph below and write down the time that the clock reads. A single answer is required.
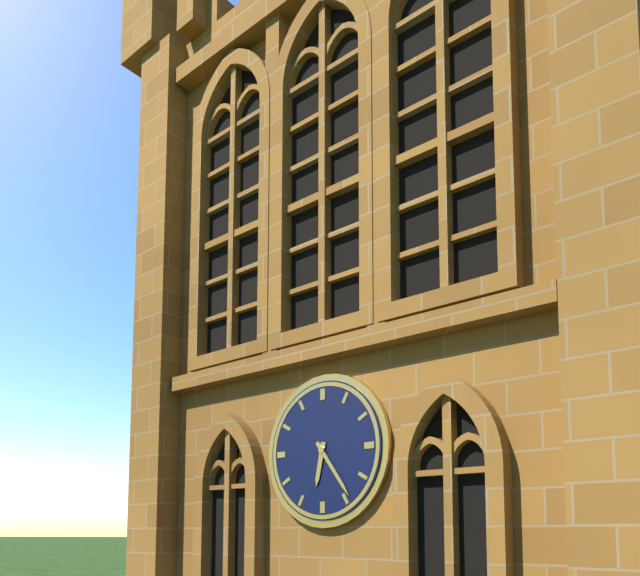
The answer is 6:24
